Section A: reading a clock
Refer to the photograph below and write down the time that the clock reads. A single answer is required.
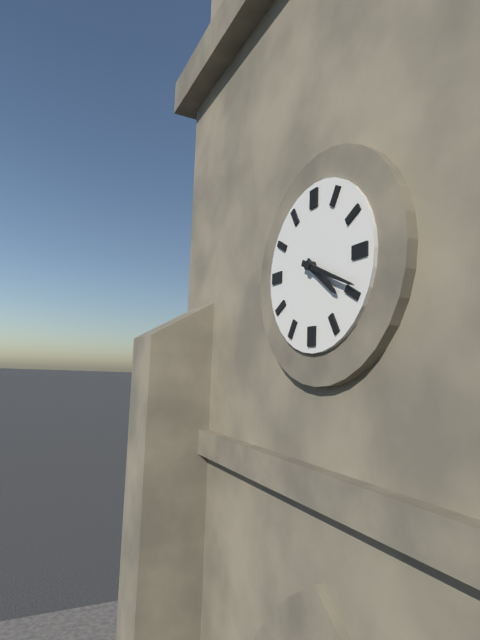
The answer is 4:19
